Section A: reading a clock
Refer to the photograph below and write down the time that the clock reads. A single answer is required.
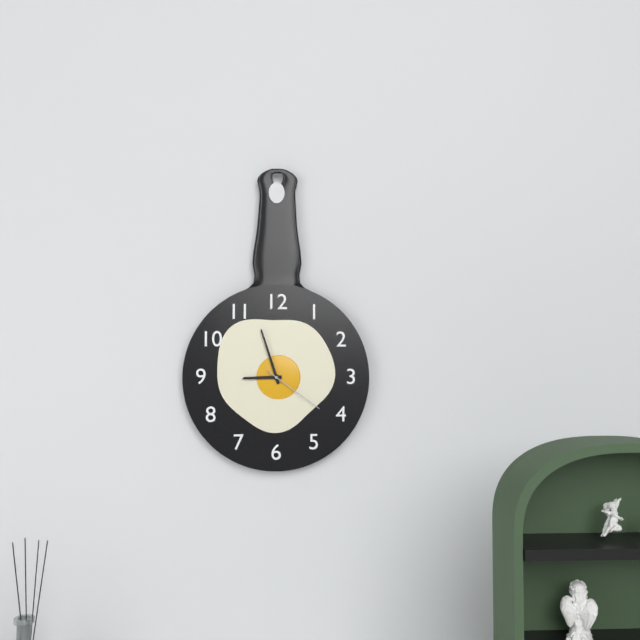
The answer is 8:57:21
